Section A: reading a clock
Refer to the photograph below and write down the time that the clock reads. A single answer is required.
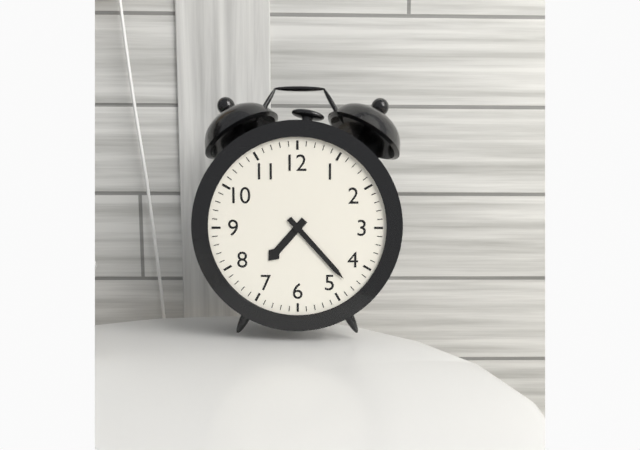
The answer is 7:23
